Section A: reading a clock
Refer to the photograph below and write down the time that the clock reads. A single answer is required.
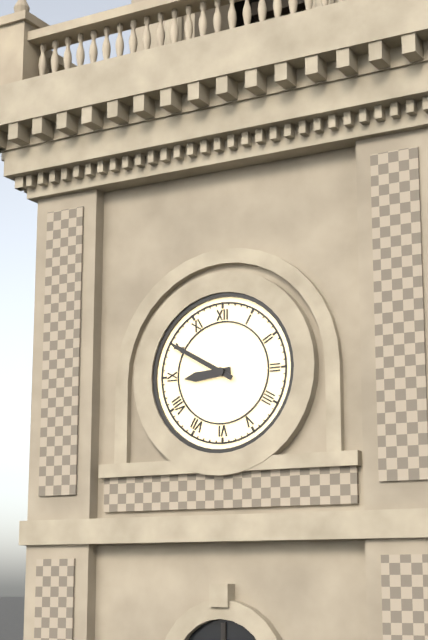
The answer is 8:50
